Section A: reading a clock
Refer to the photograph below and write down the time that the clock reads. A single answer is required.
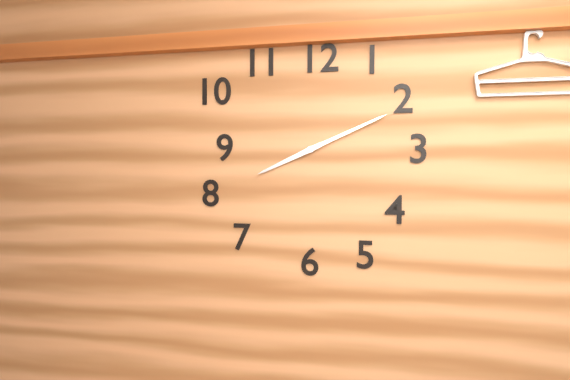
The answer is 8:11
